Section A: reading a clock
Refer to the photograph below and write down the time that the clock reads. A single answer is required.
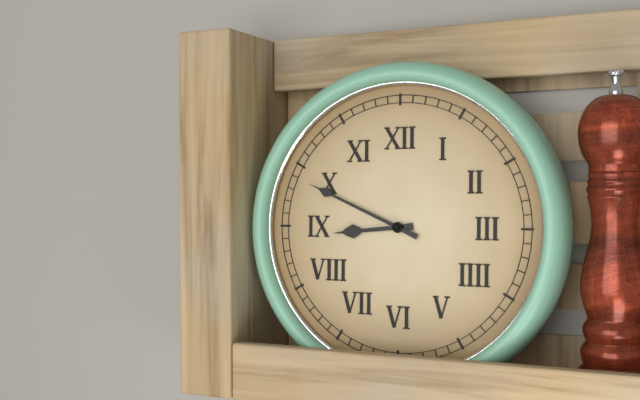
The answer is 8:49
